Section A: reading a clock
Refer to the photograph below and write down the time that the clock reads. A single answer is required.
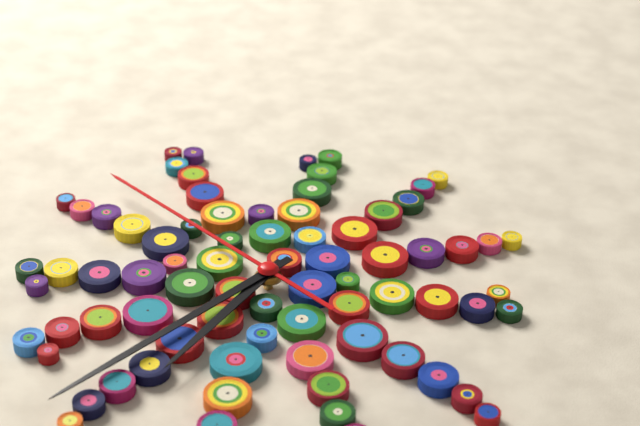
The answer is 6:35:50
